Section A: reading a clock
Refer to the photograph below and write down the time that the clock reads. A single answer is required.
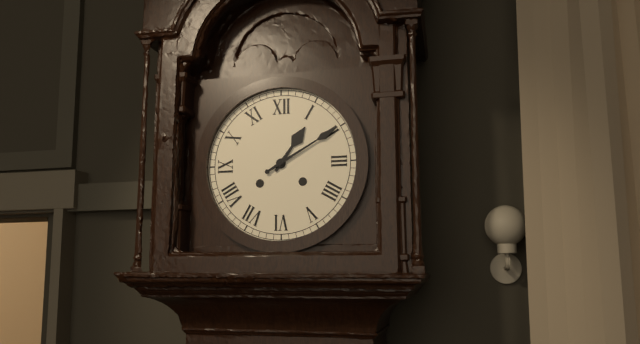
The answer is 1:10
